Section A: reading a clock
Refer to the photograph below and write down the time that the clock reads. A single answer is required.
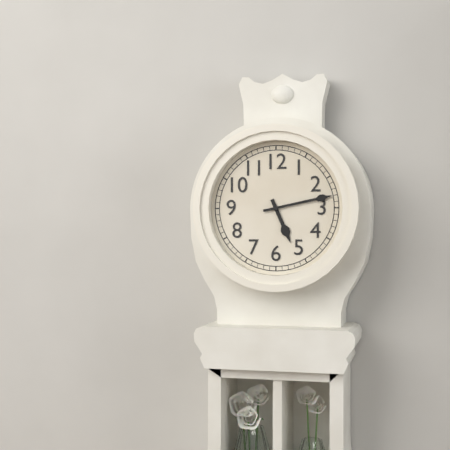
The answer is 5:13
